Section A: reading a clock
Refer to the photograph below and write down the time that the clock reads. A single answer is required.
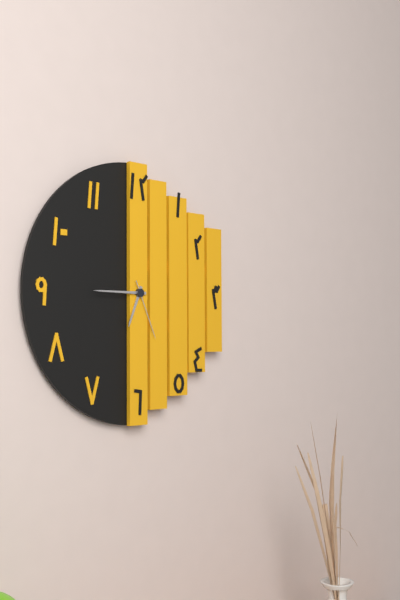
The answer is 6:45:26
